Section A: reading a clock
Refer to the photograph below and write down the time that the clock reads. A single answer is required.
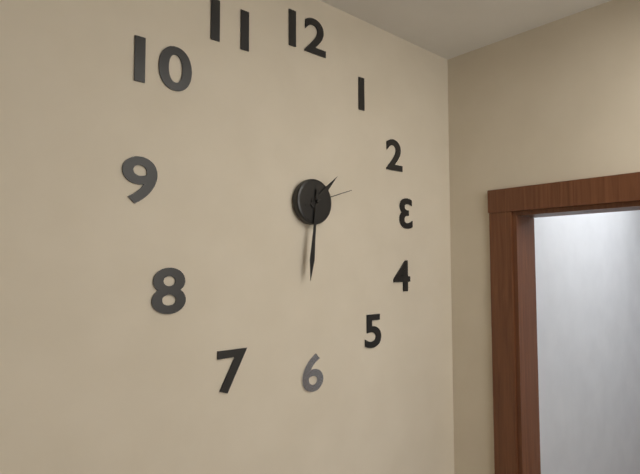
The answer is 1:31:12
